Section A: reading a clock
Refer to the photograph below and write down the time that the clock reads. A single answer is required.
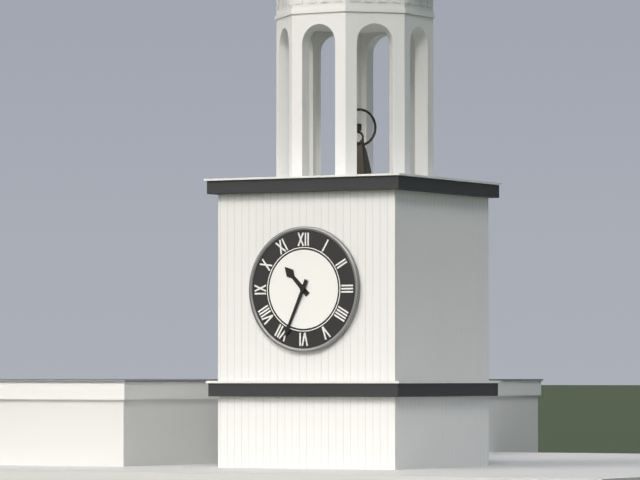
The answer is 10:34
